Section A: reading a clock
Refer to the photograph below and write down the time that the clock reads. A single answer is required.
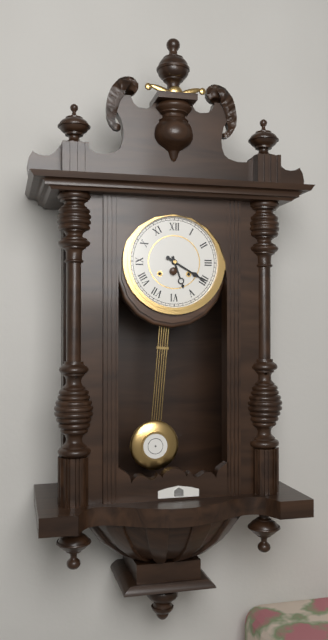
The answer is 5:20
